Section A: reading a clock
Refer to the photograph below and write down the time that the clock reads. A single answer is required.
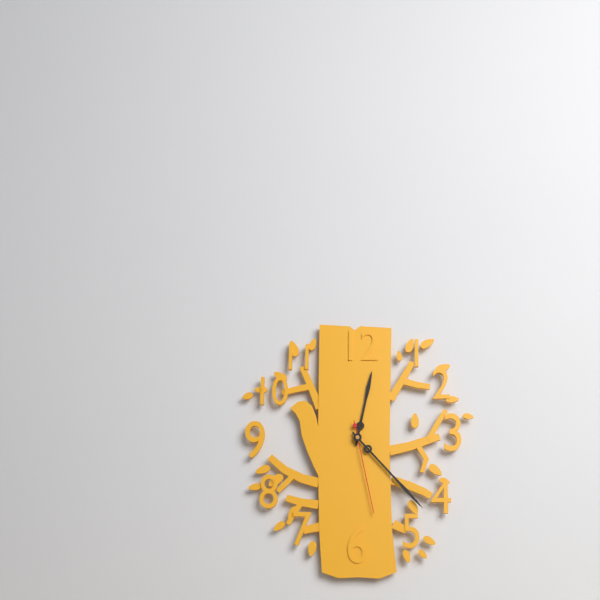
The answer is 12:23:28
